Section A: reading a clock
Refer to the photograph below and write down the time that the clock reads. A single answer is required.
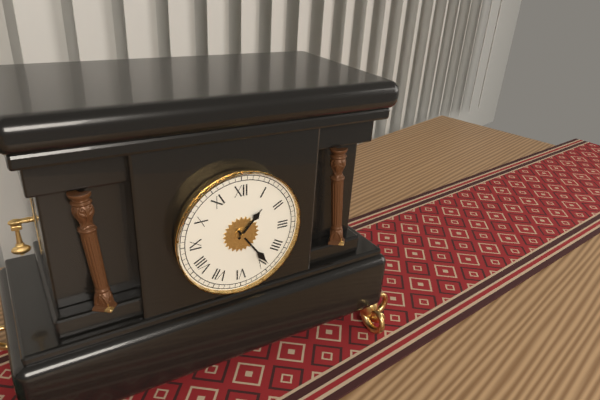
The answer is 1:24
